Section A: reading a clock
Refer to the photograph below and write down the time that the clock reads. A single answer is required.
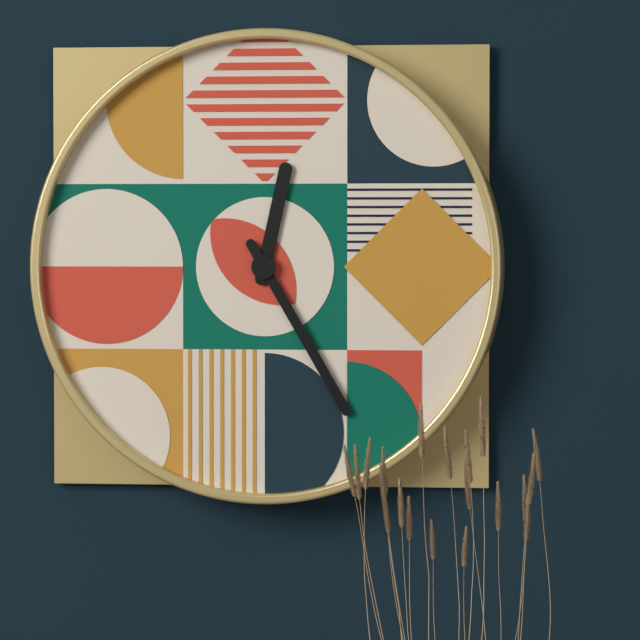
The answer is 12:25
